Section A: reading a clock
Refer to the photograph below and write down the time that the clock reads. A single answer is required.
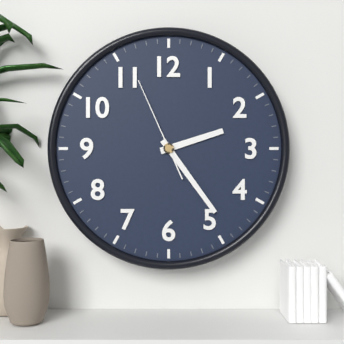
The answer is 2:24:56
